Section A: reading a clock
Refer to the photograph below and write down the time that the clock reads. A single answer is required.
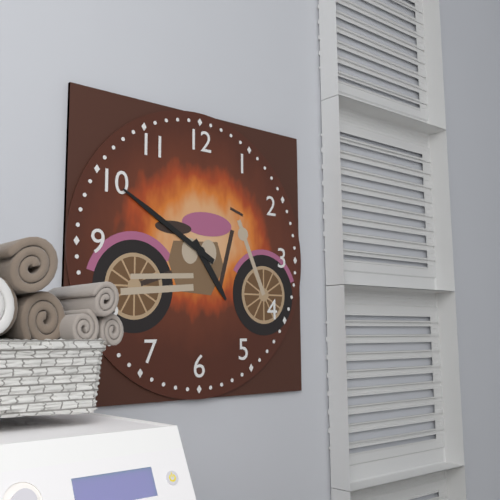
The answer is 4:50
